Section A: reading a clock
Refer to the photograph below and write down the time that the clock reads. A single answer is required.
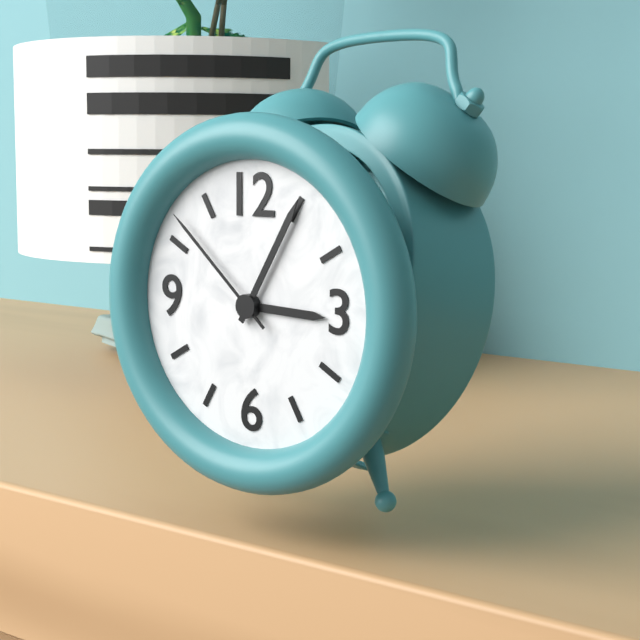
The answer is 3:05:52
